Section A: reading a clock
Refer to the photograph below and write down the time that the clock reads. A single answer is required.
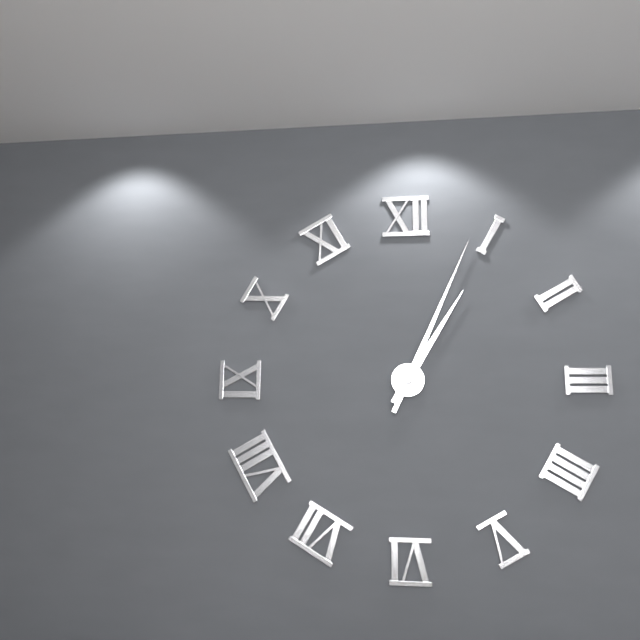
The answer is 1:04
